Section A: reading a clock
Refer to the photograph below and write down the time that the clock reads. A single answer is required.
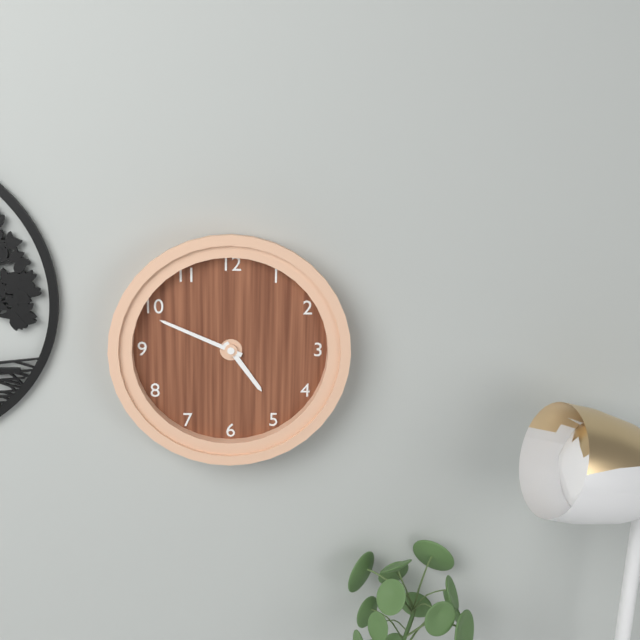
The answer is 4:49
